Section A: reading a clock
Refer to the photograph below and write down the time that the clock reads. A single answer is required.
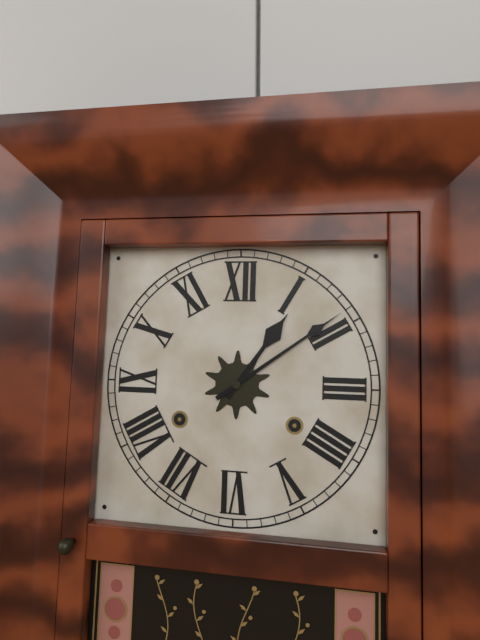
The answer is 1:09
